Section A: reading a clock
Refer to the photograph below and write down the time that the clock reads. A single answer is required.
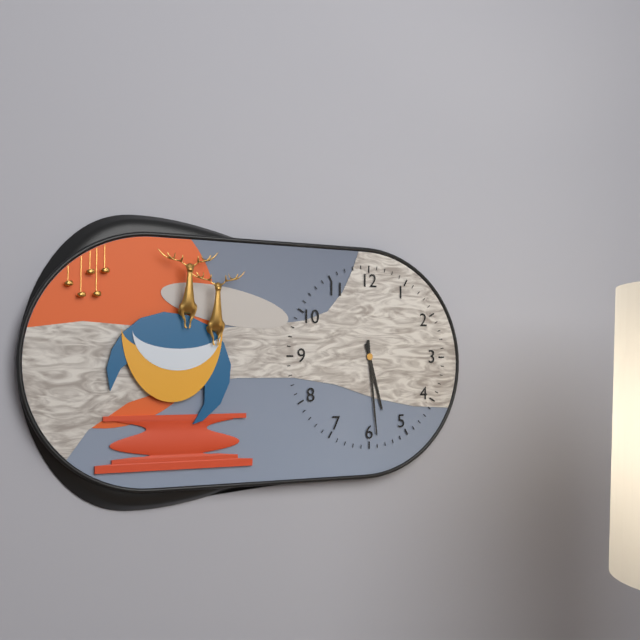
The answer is 5:29
